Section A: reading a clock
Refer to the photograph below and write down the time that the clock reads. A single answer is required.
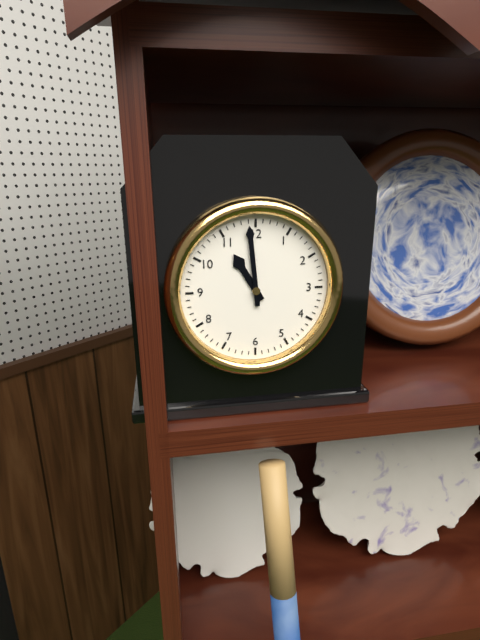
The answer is 10:59
